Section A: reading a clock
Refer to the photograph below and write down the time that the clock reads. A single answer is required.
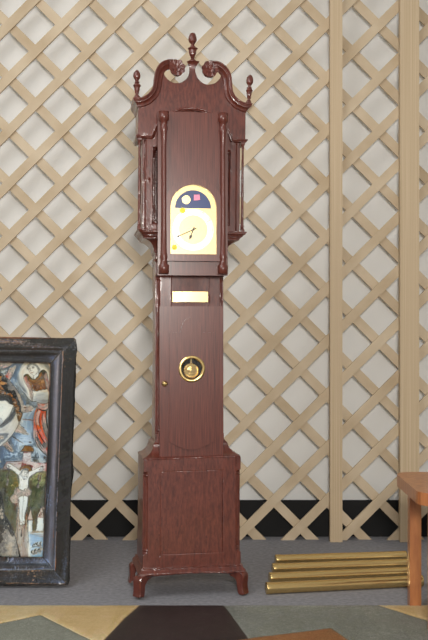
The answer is 6:41
